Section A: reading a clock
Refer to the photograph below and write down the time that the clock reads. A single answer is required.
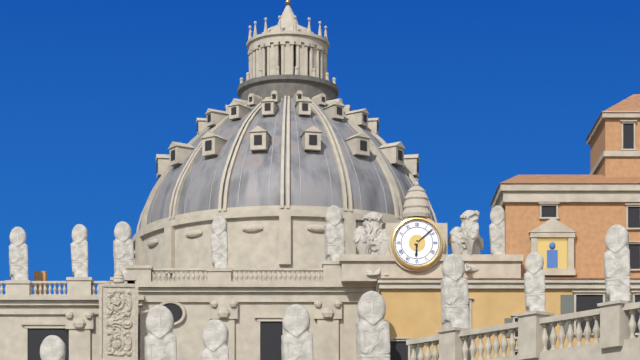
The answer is 6:08
